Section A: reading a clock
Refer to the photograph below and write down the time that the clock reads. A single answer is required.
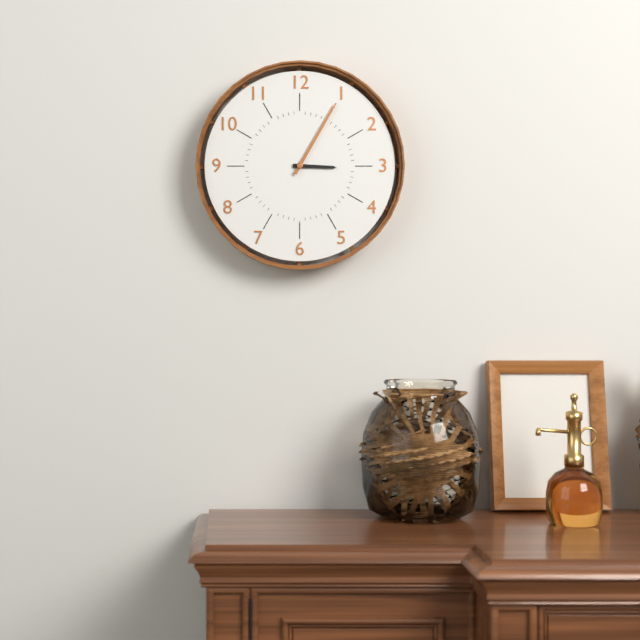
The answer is 3:05
